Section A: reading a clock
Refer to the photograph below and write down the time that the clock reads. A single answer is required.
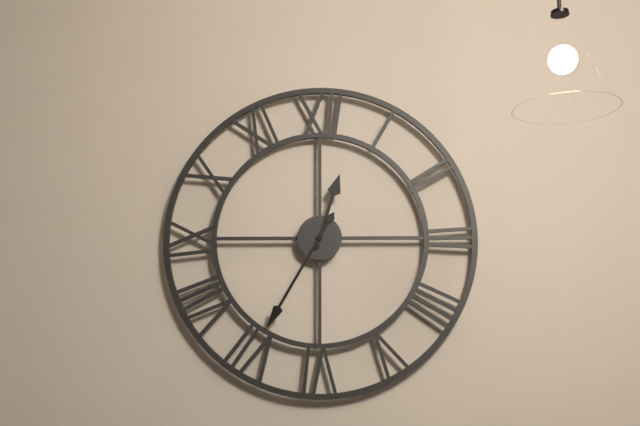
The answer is 12:35
